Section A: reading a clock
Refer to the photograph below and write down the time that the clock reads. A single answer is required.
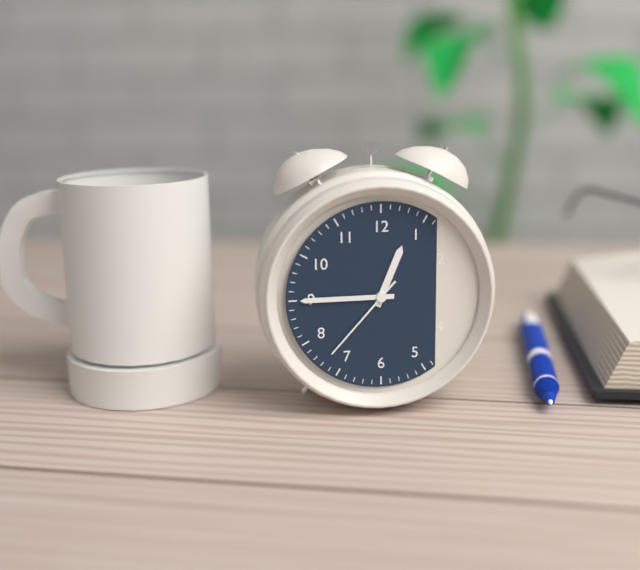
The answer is 12:45:37
